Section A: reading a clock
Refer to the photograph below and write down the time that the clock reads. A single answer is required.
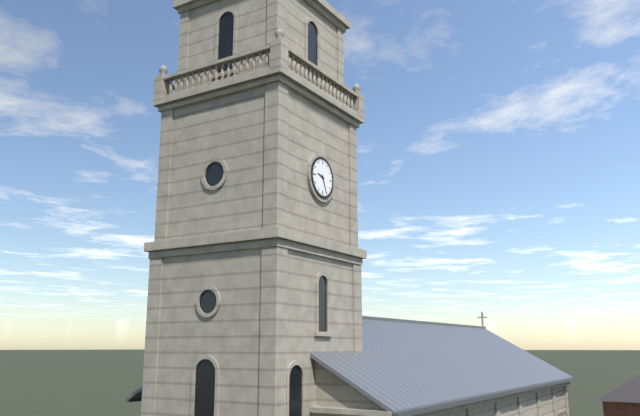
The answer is 9:26
